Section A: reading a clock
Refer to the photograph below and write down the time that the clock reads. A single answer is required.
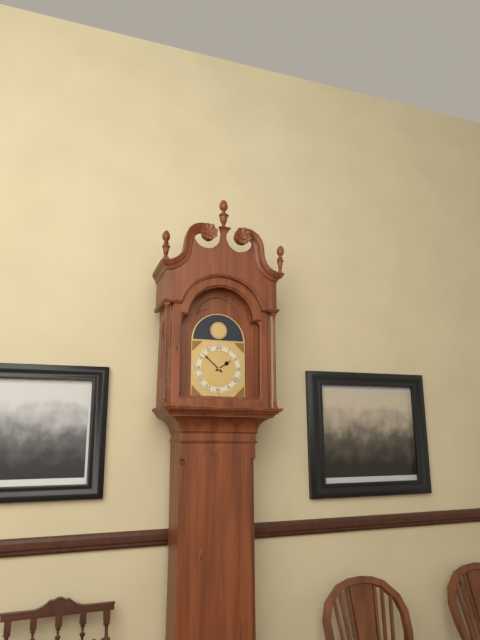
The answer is 1:52
